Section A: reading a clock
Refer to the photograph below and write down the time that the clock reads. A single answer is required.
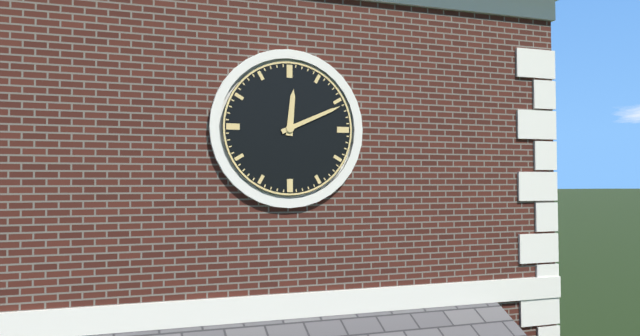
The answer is 12:11
